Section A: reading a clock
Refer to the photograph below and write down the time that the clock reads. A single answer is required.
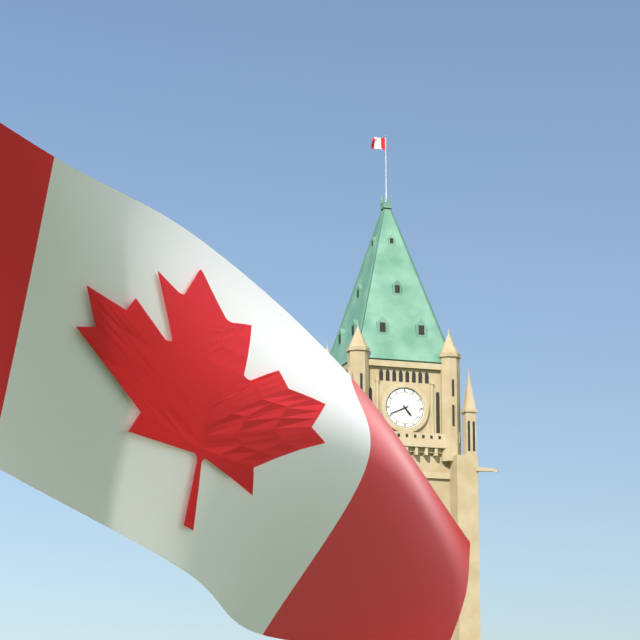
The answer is 4:41
